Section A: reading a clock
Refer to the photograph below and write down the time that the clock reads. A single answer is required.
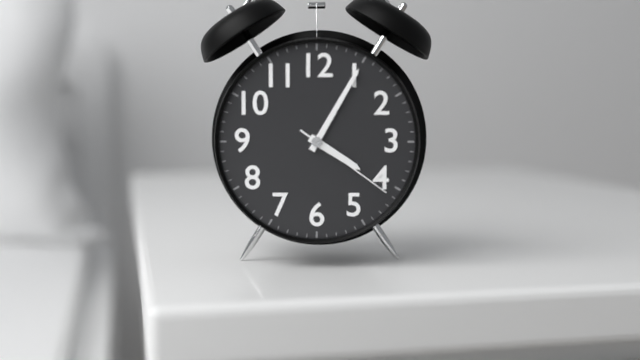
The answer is 4:05:21
